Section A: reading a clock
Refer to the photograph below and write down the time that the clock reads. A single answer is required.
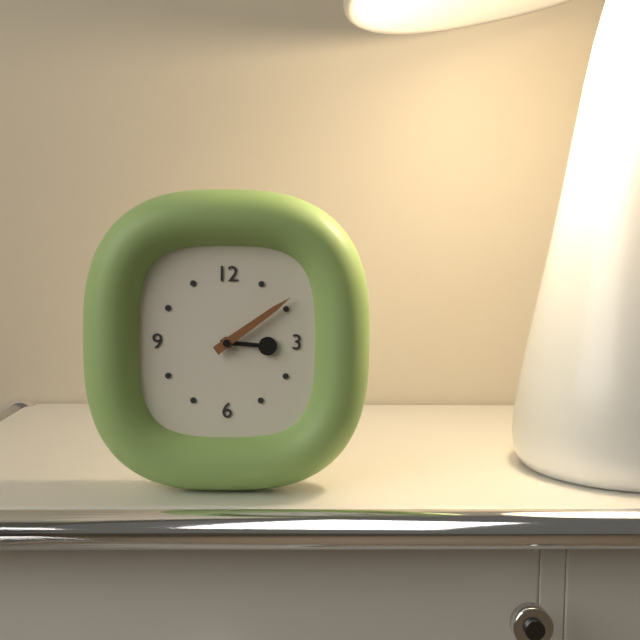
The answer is 3:09
